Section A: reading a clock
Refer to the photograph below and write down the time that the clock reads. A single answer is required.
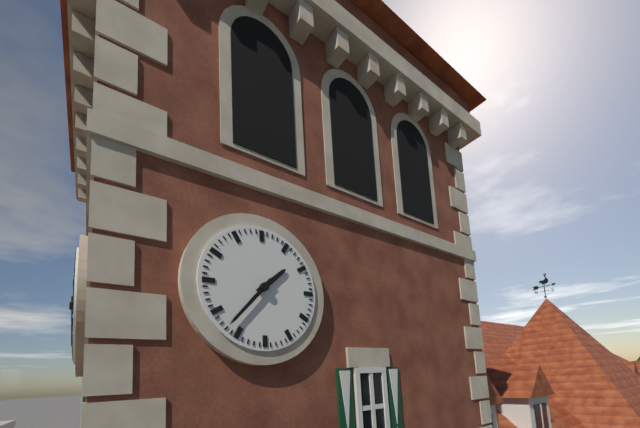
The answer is 1:37
